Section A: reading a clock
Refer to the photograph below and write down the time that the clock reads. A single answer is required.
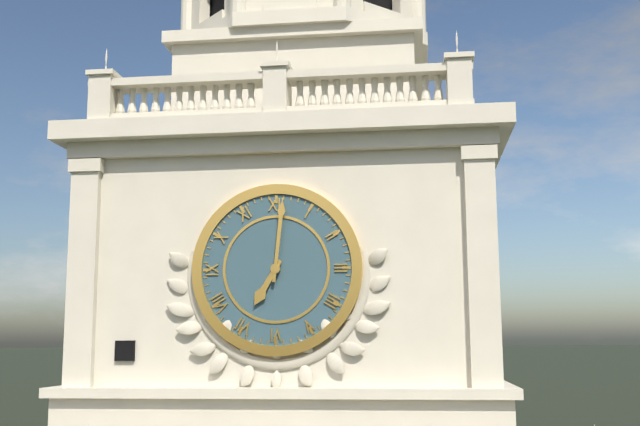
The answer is 7:01
